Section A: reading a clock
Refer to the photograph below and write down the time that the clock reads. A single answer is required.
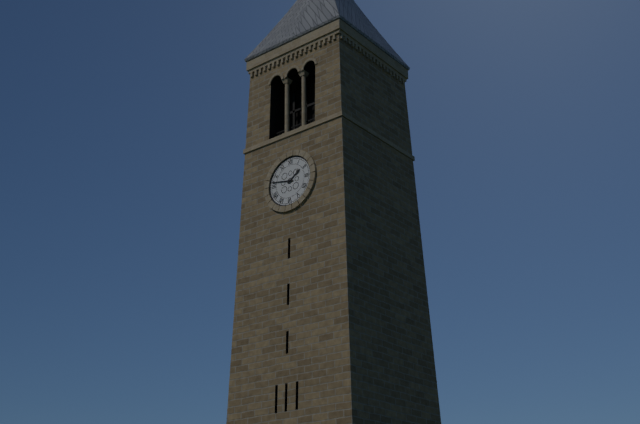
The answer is 1:47
